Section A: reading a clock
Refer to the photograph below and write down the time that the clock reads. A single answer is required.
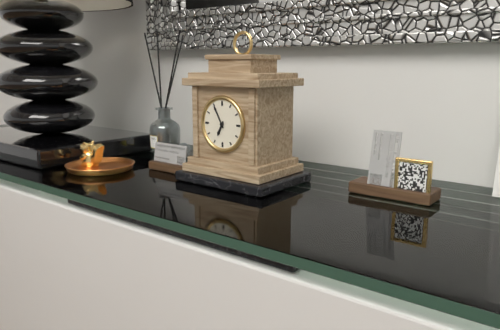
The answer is 6:55
